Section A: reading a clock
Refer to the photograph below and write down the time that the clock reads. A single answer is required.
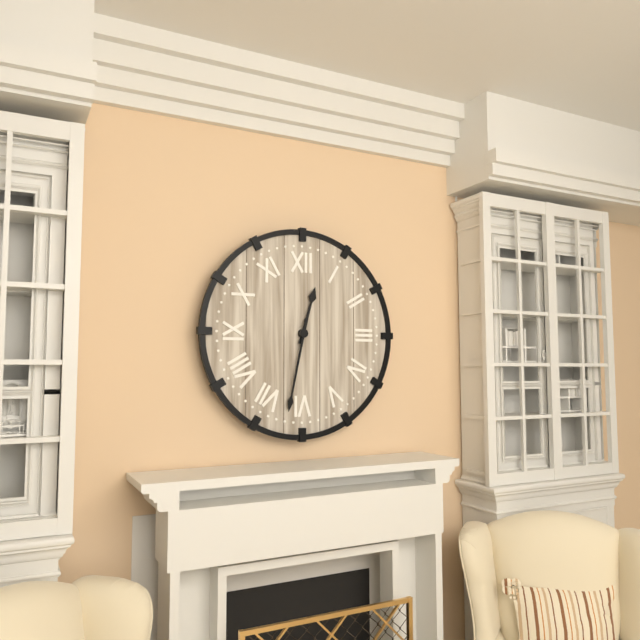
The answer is 12:32
